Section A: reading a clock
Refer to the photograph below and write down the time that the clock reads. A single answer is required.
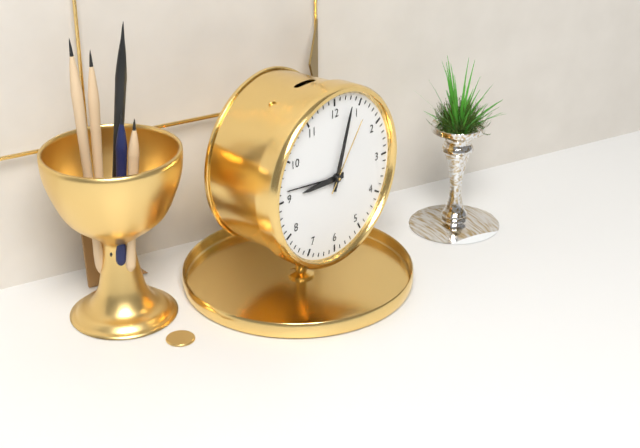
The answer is 9:03:06
